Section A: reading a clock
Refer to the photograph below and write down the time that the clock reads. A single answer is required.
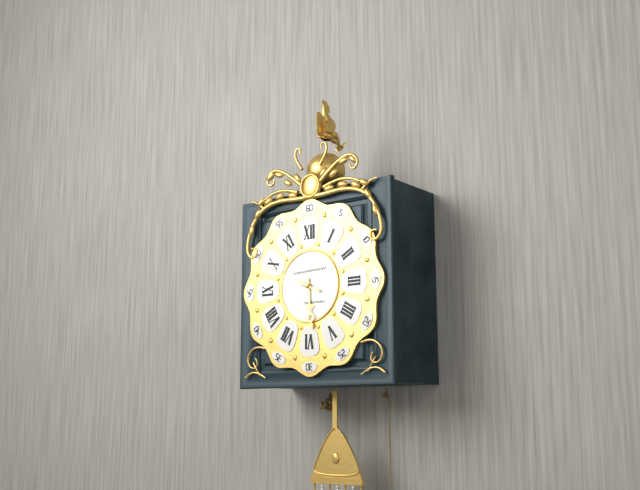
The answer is 5:49
